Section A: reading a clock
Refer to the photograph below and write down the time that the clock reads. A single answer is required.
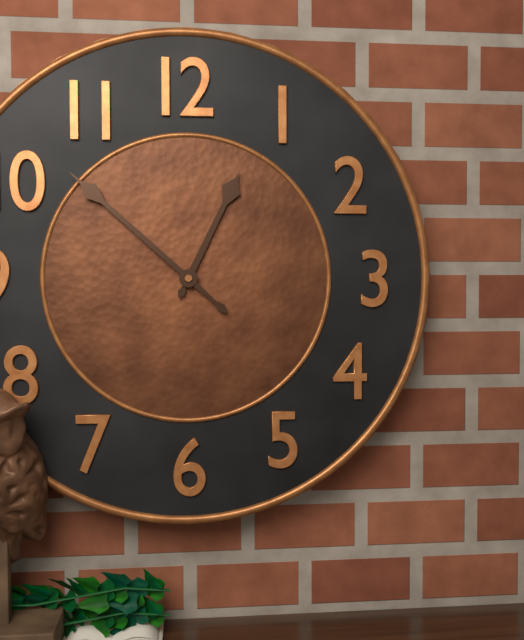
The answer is 12:52
